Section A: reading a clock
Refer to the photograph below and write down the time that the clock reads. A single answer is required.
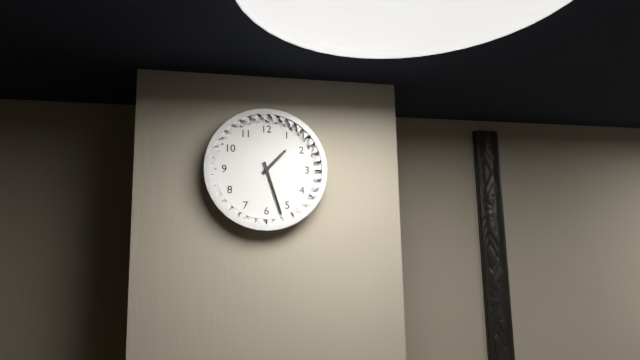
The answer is 1:27
